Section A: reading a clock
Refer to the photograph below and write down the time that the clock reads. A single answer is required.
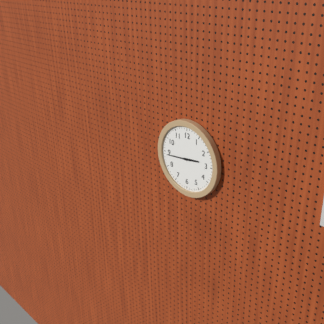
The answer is 2:44
